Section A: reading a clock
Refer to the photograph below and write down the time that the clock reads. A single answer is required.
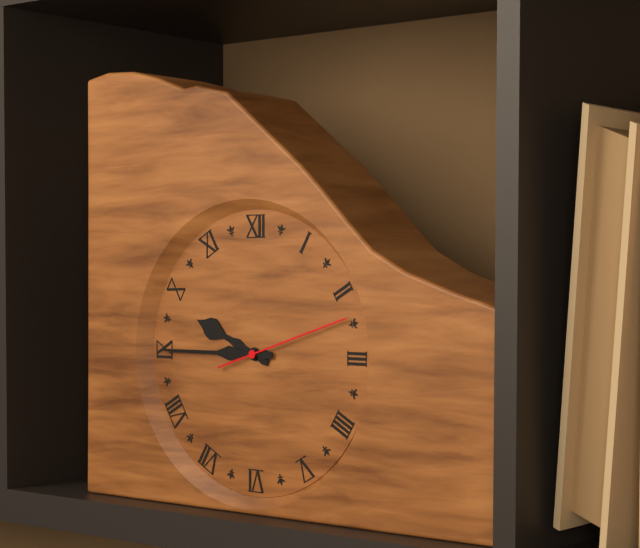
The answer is 9:45:12
